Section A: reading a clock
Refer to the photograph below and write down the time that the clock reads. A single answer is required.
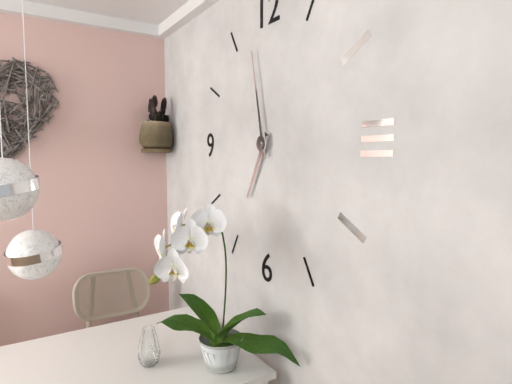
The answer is 6:58
